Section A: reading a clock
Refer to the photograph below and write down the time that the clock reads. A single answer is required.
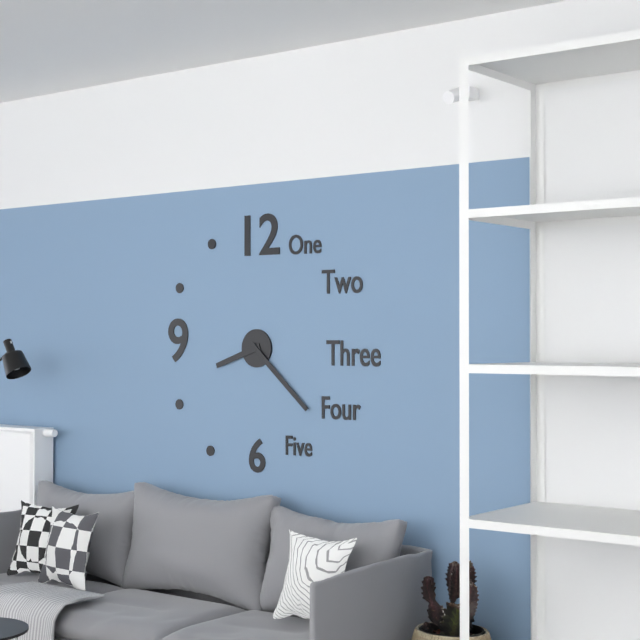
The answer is 8:22
